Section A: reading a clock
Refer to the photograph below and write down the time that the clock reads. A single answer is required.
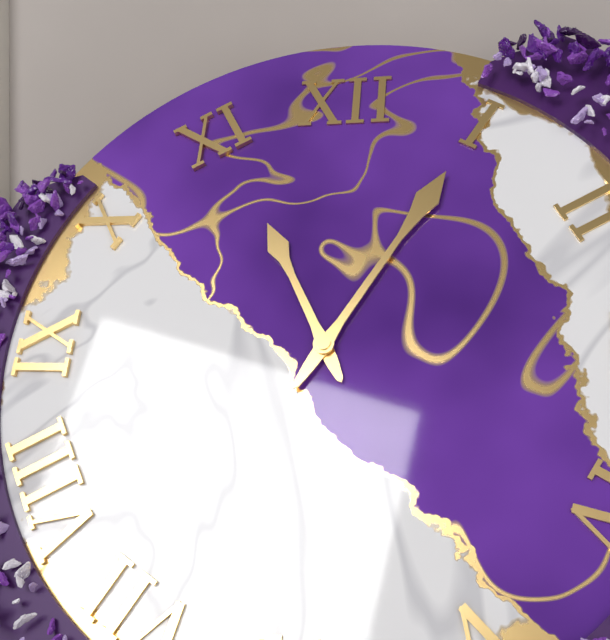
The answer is 11:05
